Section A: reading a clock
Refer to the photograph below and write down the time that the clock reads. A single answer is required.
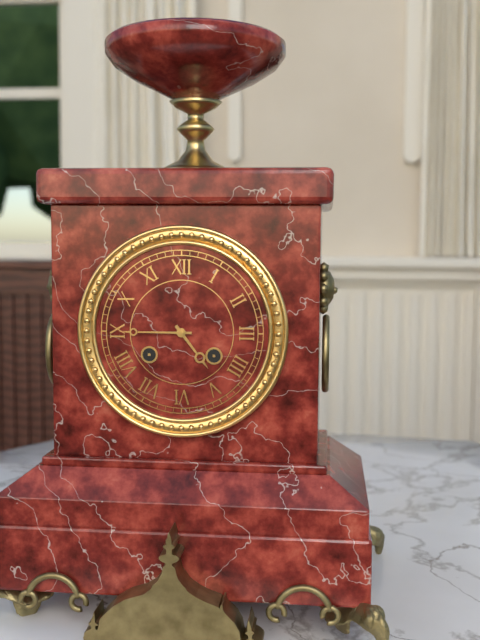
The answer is 4:45
